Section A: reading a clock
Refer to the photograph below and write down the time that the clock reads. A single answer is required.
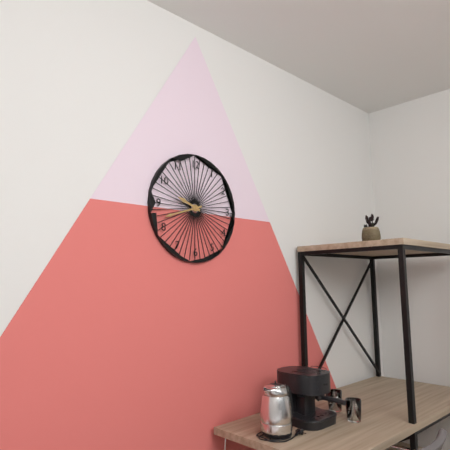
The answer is 9:42
